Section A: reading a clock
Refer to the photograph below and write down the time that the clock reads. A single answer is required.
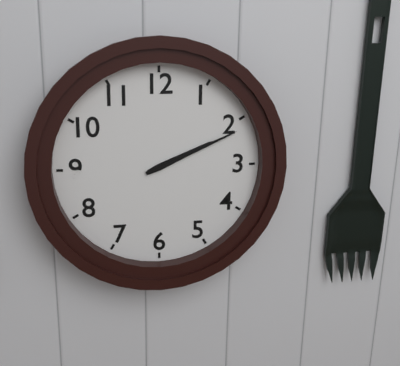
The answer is 2:11
